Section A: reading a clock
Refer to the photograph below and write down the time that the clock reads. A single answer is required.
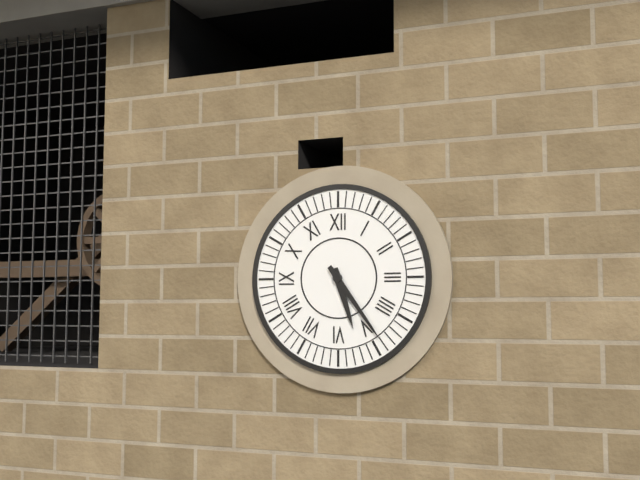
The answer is 5:24
